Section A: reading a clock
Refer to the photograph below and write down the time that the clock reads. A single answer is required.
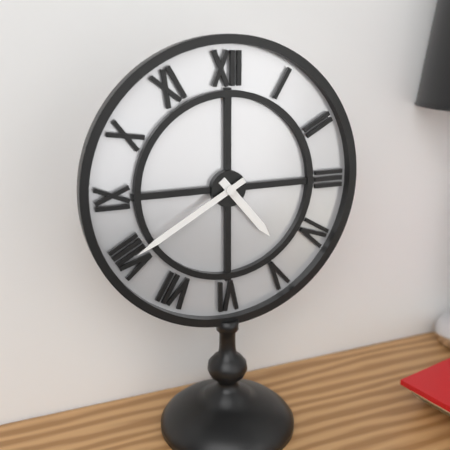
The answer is 4:40
